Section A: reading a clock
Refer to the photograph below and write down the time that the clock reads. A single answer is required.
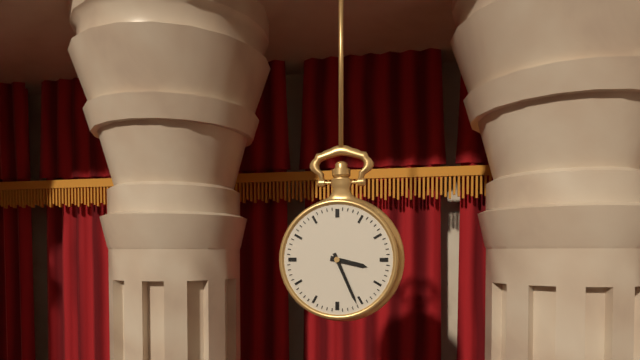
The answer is 3:26
